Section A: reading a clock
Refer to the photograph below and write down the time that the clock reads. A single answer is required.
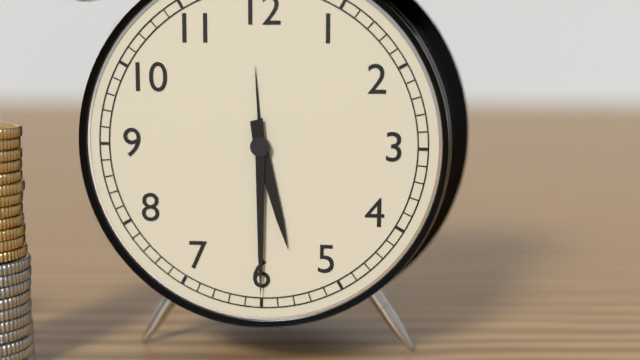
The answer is 5:30
